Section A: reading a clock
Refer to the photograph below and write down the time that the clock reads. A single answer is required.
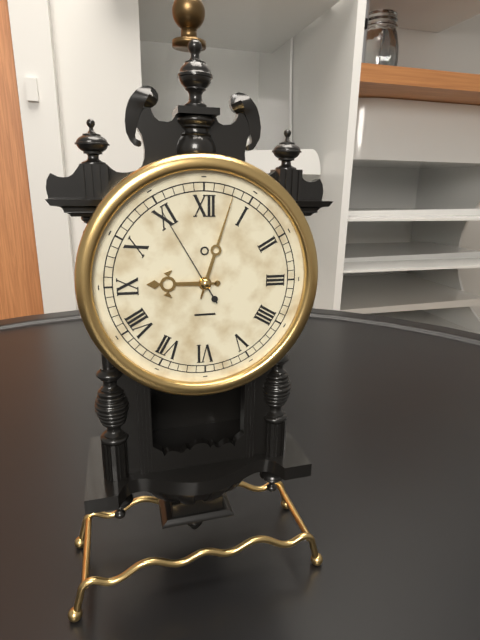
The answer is 9:03:55
